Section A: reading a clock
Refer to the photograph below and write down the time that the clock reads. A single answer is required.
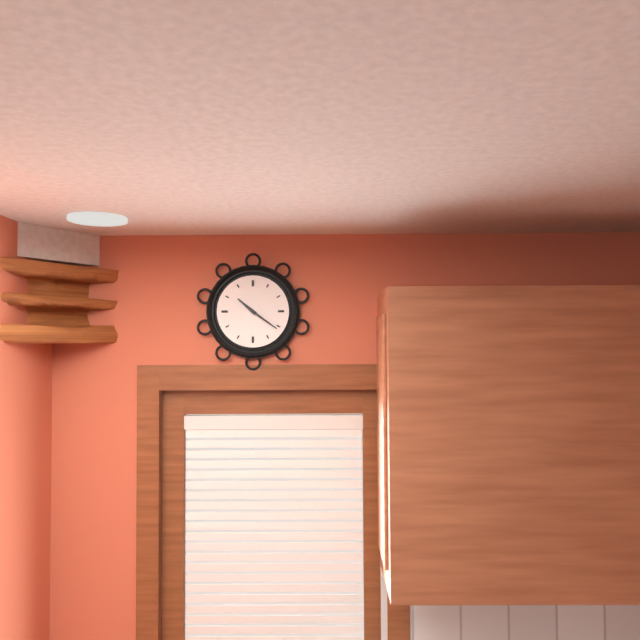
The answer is 10:21
